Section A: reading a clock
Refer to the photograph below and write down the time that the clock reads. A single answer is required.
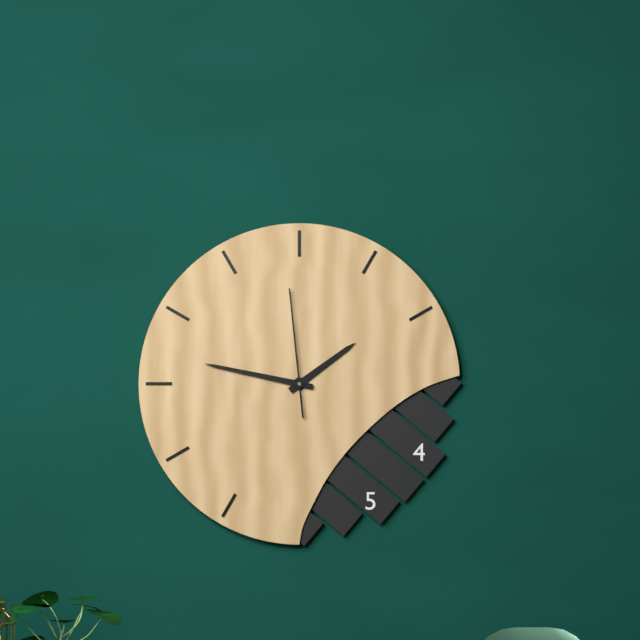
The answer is 1:47:59
